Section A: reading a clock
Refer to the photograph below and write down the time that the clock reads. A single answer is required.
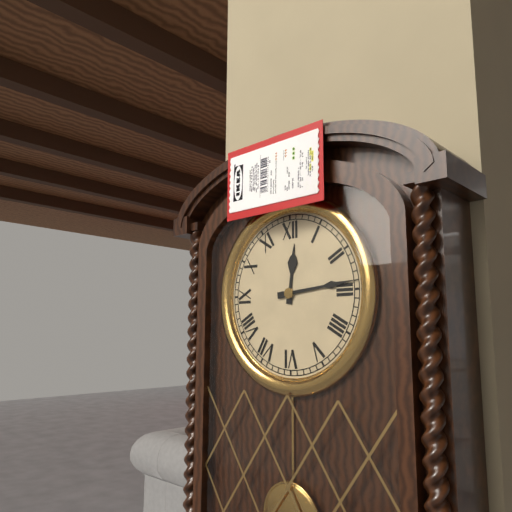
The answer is 12:14
